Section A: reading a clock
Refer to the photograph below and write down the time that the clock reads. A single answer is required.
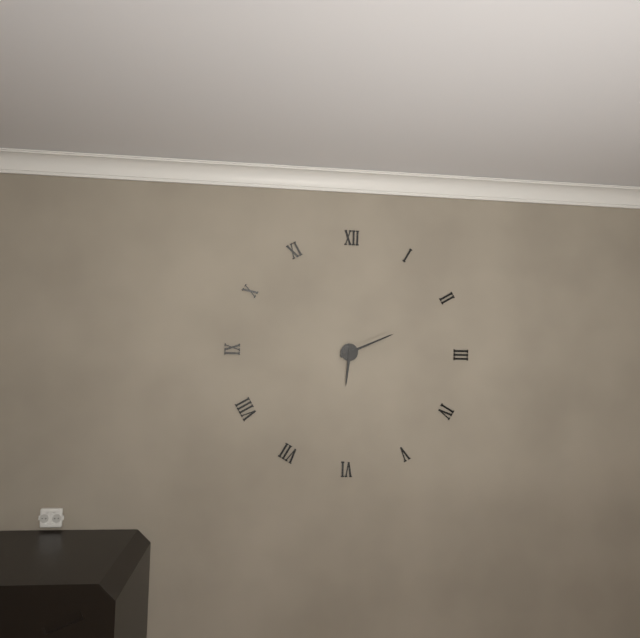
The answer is 6:11
